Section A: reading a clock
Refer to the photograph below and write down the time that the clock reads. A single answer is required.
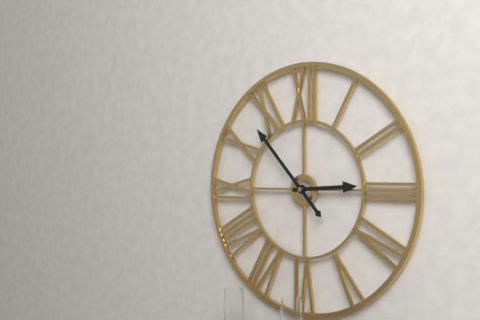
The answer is 2:53
